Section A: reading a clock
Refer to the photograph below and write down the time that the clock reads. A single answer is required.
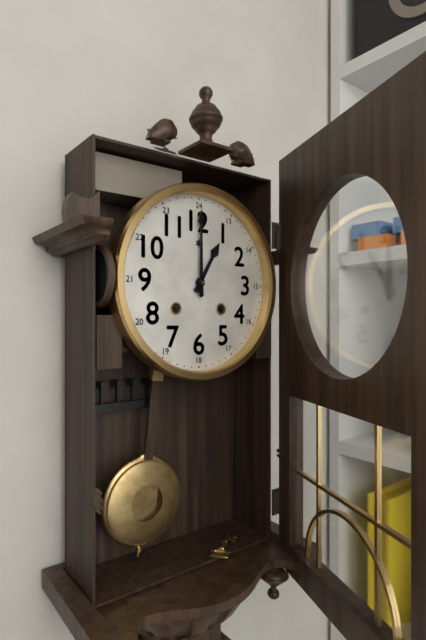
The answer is 1:00
